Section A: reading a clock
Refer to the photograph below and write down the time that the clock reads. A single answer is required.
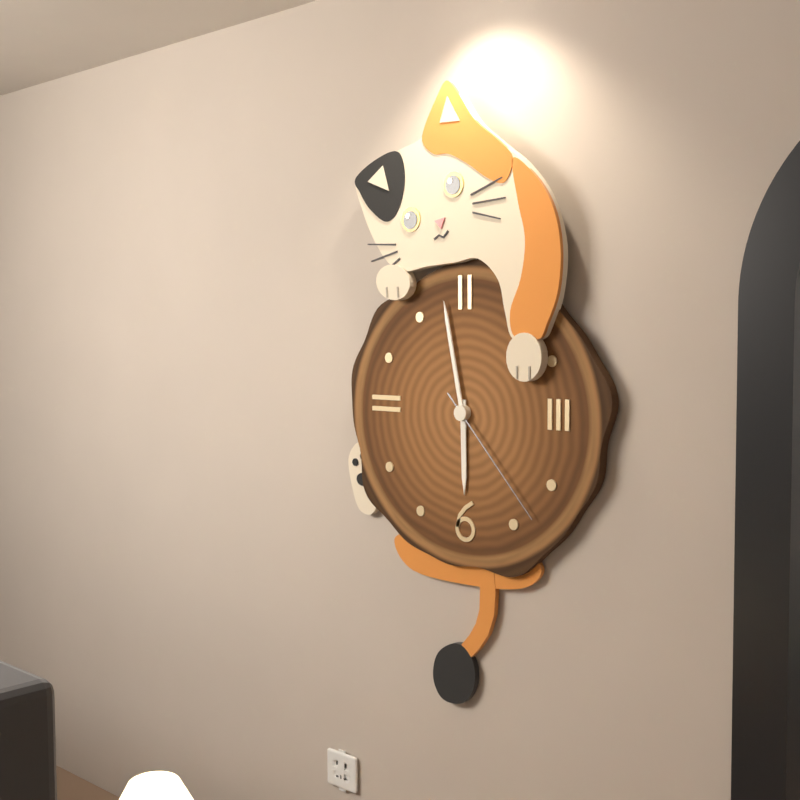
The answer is 5:58:23
